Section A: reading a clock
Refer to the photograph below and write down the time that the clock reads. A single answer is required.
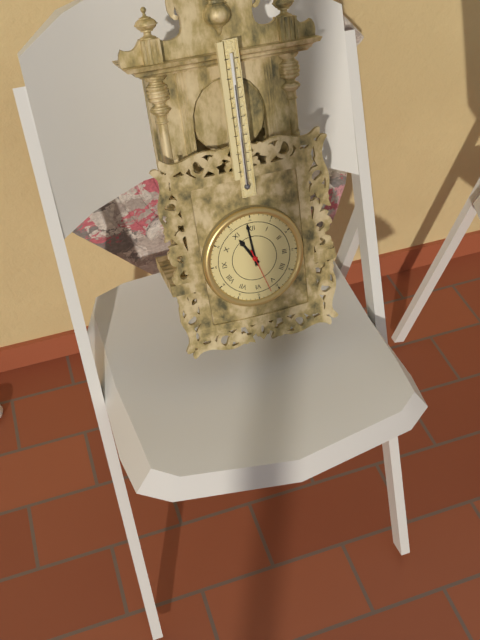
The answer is 10:59
